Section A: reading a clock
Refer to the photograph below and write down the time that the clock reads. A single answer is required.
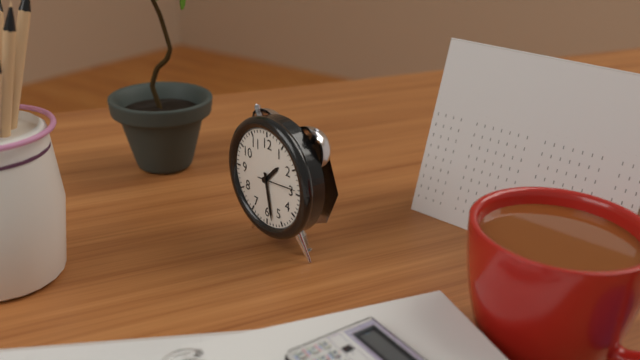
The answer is 1:28
